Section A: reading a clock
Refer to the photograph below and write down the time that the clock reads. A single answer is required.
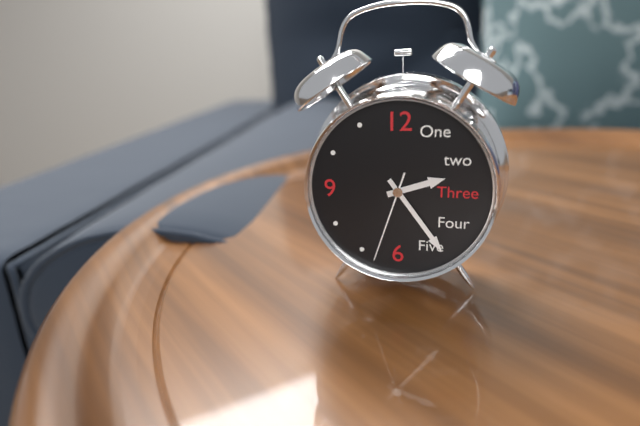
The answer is 2:24:33
